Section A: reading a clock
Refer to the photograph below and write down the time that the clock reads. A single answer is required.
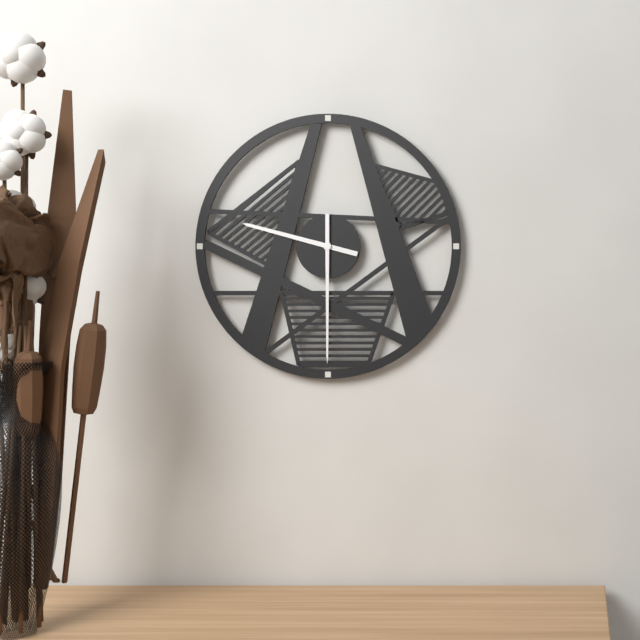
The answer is 9:30
